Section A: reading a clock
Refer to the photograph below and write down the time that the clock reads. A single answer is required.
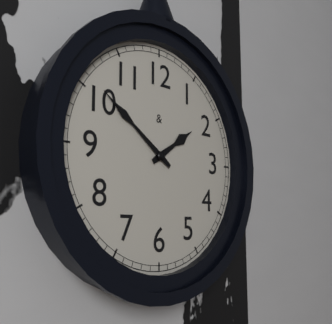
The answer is 1:51
